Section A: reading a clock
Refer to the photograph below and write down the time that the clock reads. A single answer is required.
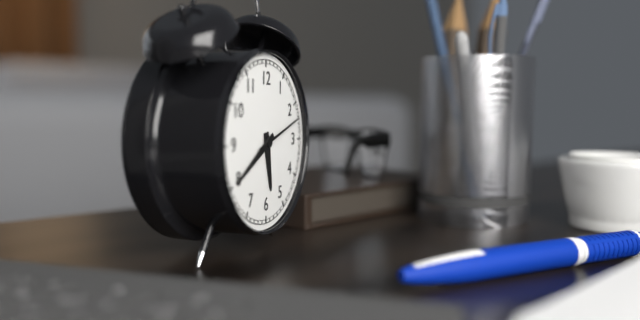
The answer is 5:40:12
